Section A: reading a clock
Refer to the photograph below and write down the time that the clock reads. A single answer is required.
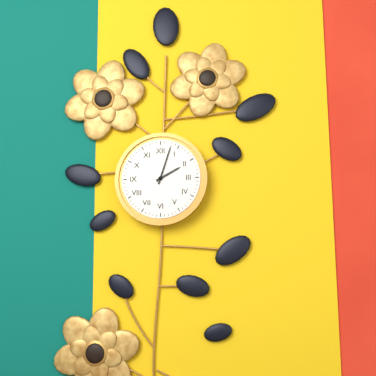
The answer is 2:03
